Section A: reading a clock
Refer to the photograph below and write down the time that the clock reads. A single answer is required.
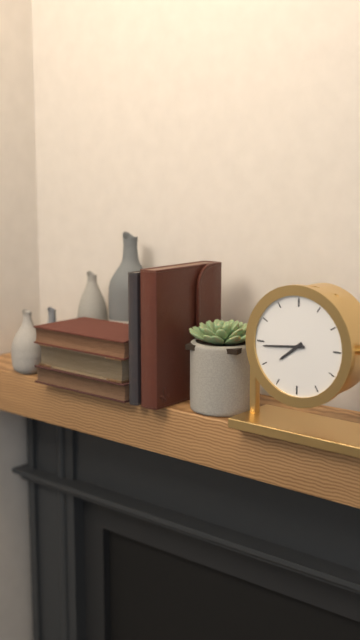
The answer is 7:44
